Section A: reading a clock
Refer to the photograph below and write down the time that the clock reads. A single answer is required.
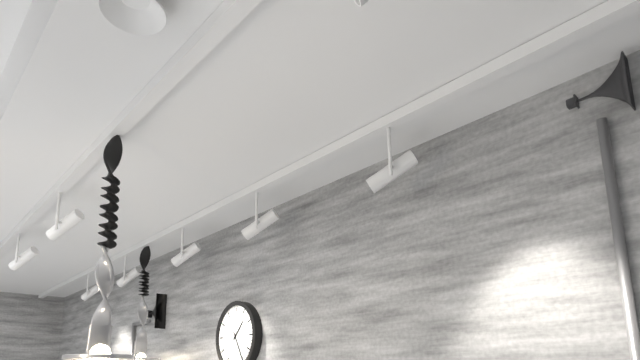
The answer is 1:25
